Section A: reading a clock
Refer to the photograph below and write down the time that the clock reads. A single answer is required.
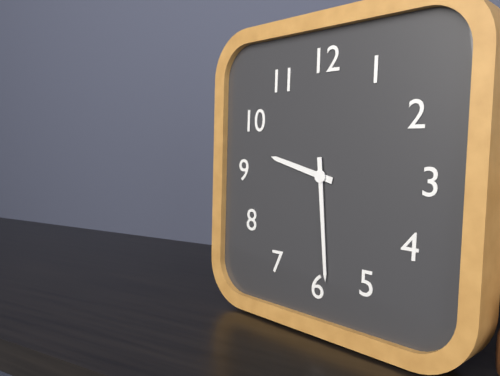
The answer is 9:29
